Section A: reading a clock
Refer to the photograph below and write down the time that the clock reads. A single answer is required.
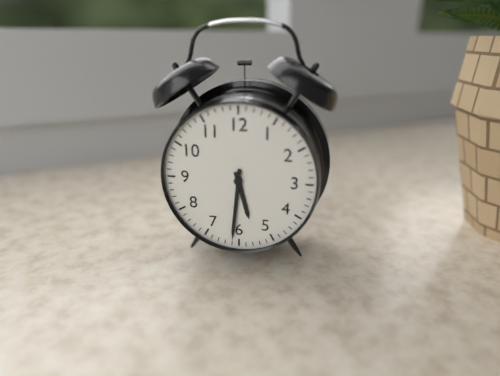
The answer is 5:31
